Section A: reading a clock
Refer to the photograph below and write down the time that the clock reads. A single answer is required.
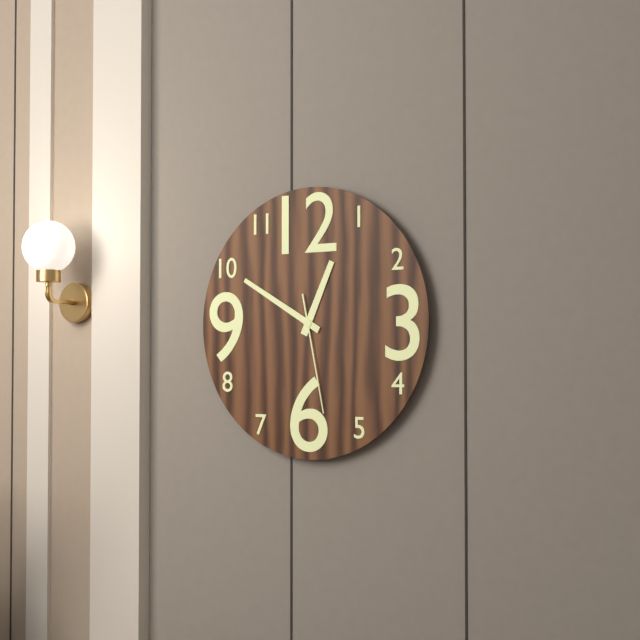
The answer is 12:50:28
